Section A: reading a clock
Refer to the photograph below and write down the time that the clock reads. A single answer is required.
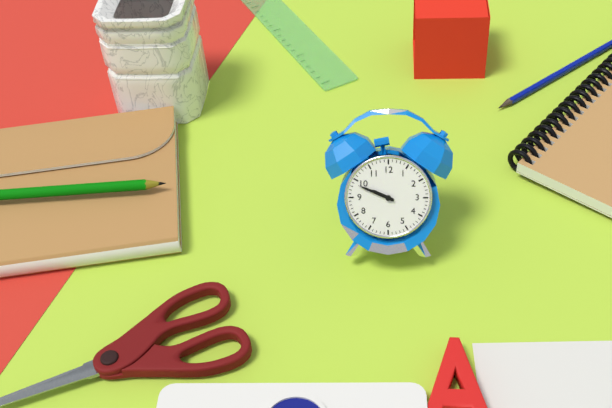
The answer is 9:49
